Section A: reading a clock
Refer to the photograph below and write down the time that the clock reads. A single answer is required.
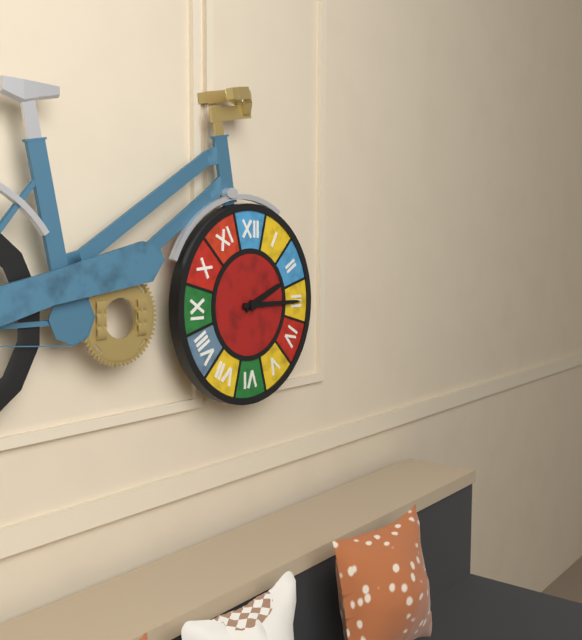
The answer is 2:15
